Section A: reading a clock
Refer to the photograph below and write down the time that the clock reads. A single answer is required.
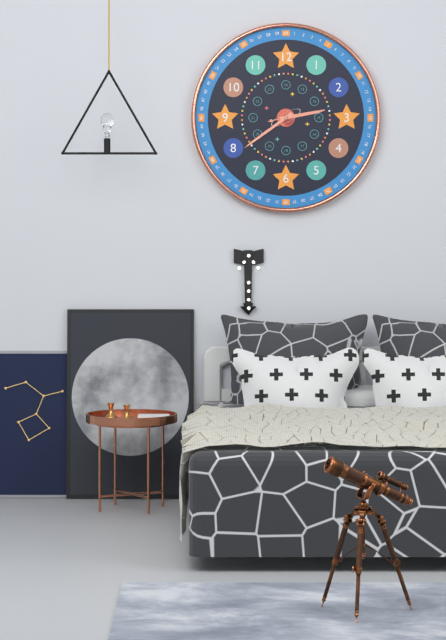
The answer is 2:39:13
